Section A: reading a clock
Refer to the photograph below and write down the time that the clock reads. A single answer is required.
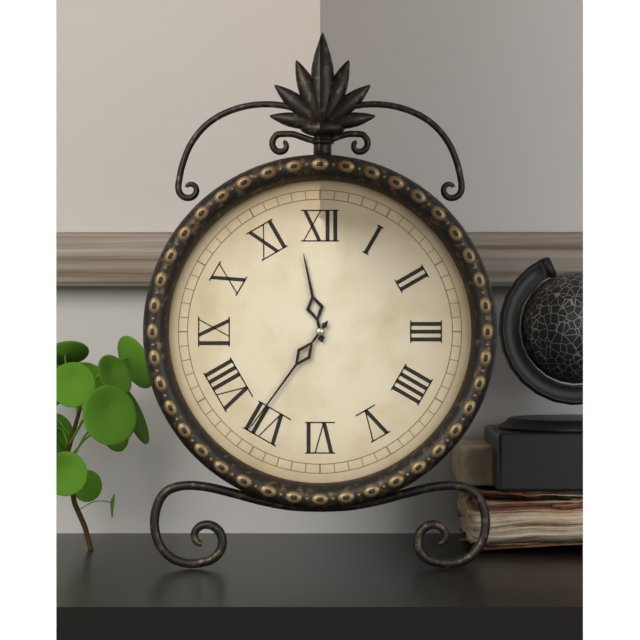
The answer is 11:36
